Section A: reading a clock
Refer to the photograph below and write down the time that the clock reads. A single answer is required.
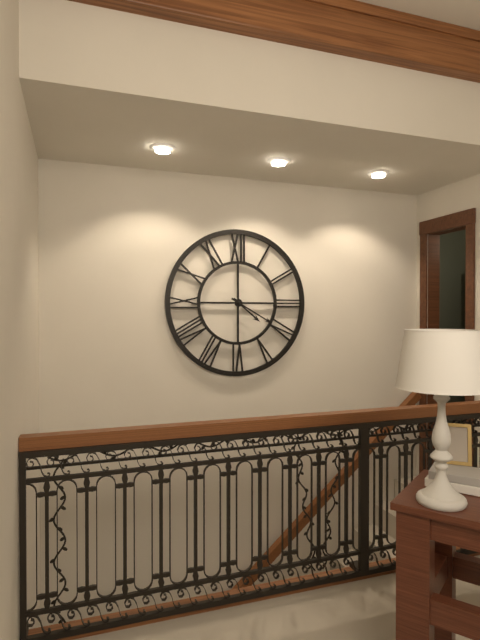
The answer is 4:20
